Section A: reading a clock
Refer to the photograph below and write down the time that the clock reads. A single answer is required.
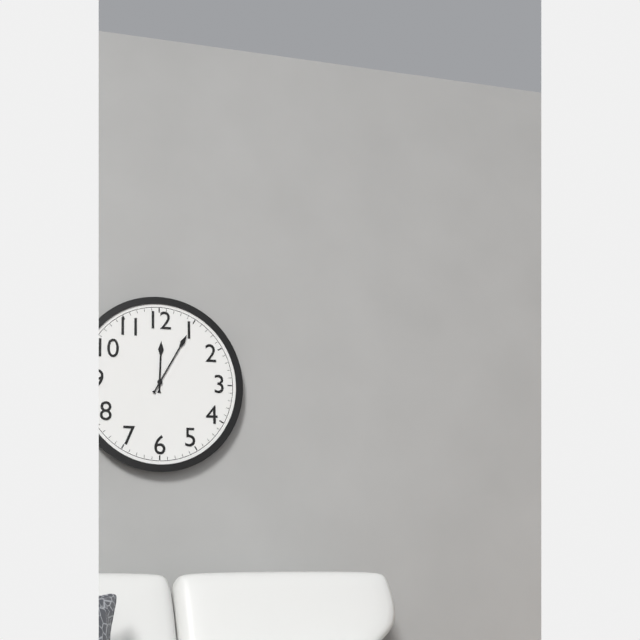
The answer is 12:05
